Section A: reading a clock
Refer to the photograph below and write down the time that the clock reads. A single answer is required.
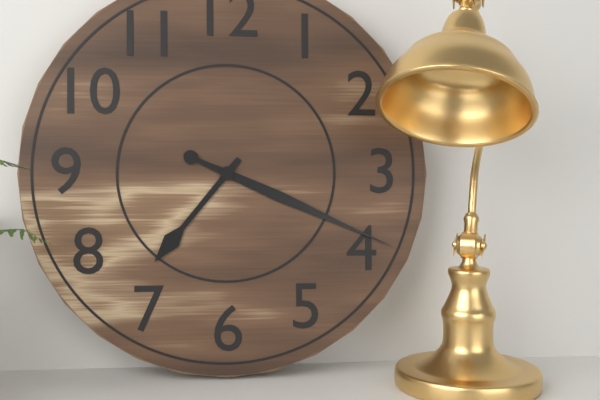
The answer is 7:19
